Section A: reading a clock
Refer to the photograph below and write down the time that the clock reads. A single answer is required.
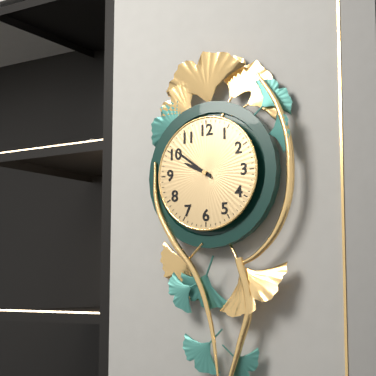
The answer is 9:51
